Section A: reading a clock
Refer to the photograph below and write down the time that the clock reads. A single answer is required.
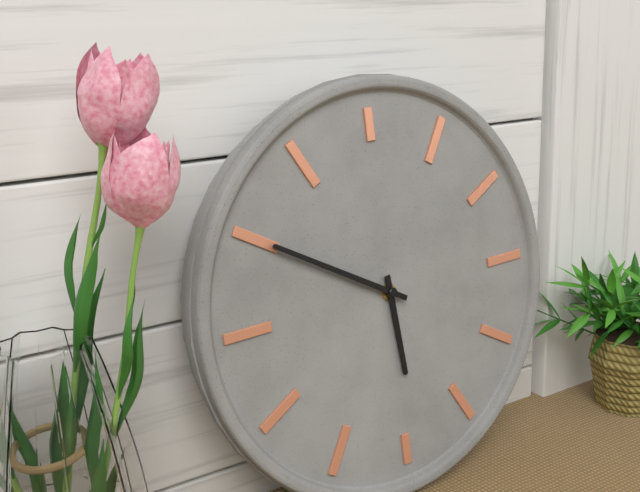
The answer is 5:50
